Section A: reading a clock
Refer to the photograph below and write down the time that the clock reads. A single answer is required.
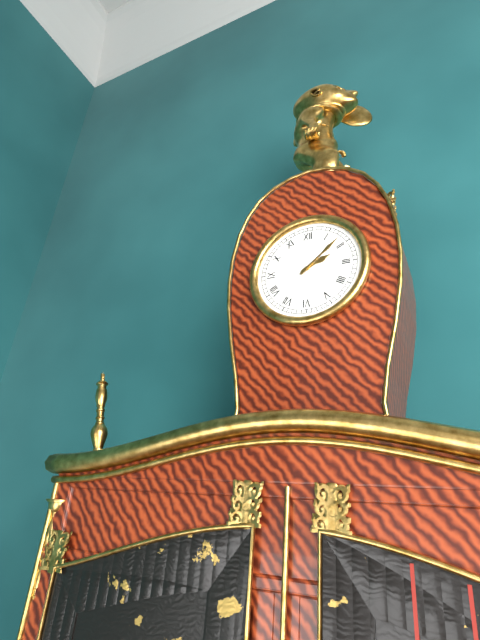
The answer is 2:08
